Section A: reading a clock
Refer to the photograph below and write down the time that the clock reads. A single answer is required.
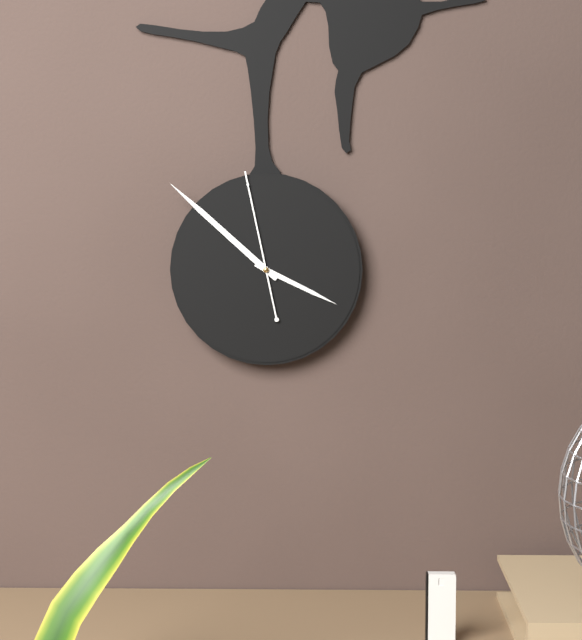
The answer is 3:52:58
